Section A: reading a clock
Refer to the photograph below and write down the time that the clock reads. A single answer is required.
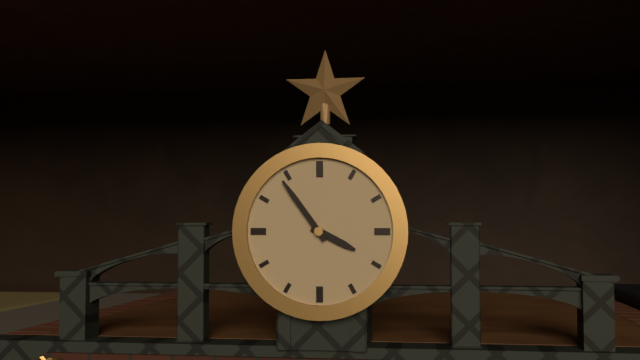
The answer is 3:54
